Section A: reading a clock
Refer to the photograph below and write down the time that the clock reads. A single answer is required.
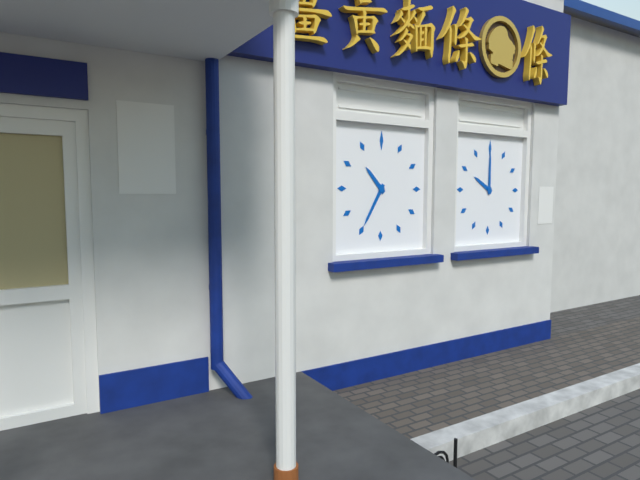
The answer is 10:35
